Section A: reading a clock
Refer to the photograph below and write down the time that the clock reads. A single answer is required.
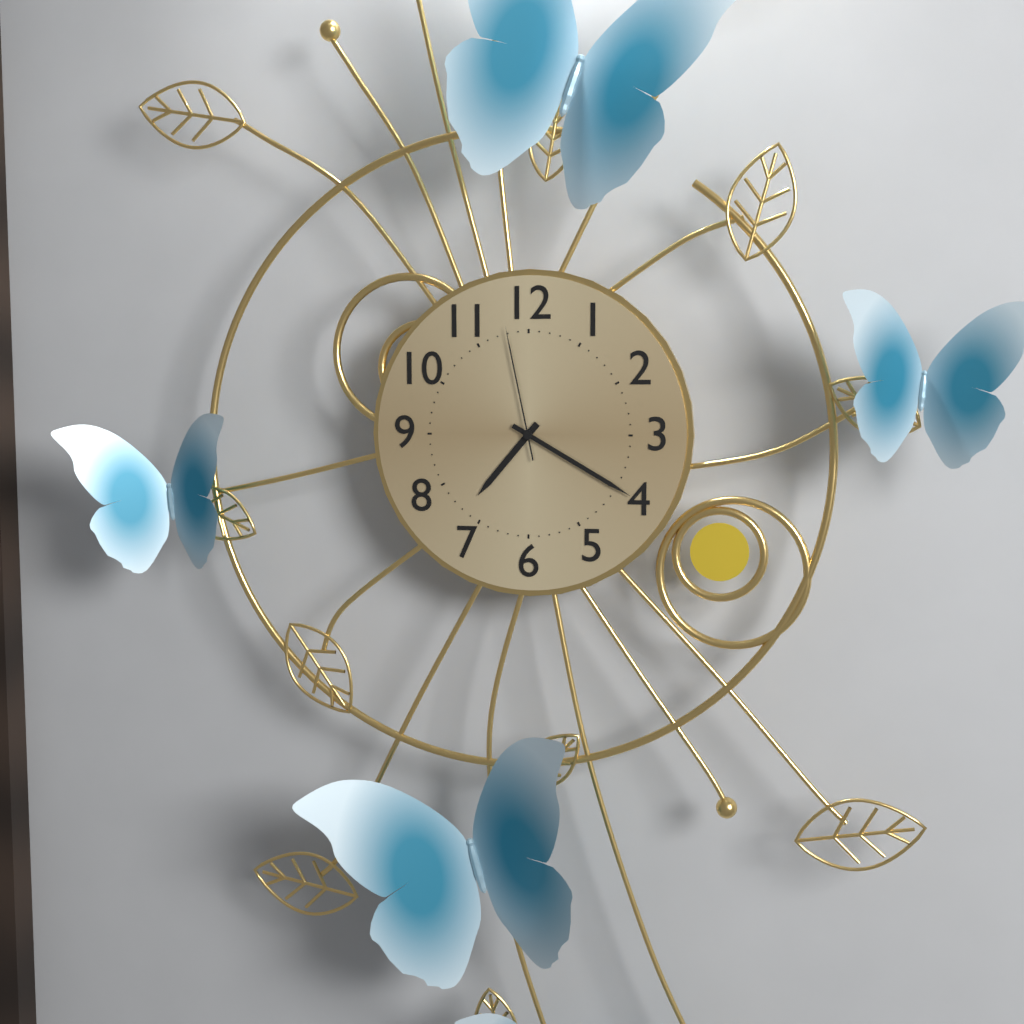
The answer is 7:20:58
